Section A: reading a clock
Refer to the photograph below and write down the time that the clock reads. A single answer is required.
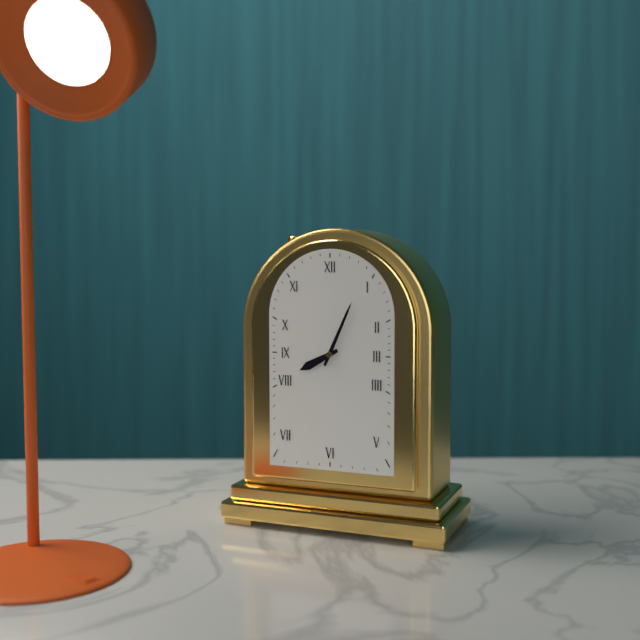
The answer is 8:04
